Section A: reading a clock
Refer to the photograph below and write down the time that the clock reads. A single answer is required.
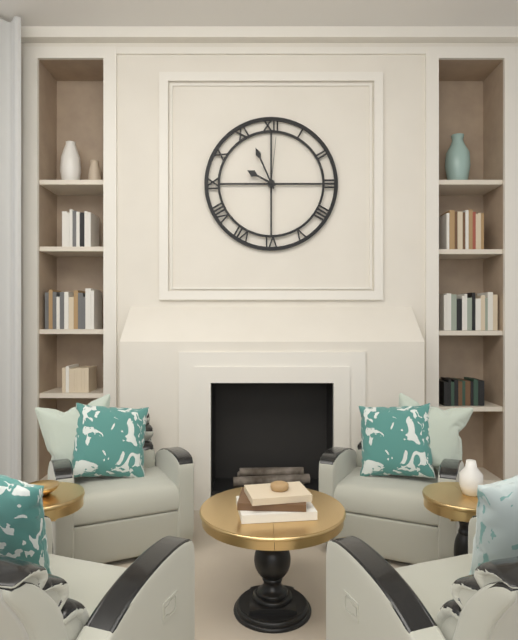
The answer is 9:56:01
